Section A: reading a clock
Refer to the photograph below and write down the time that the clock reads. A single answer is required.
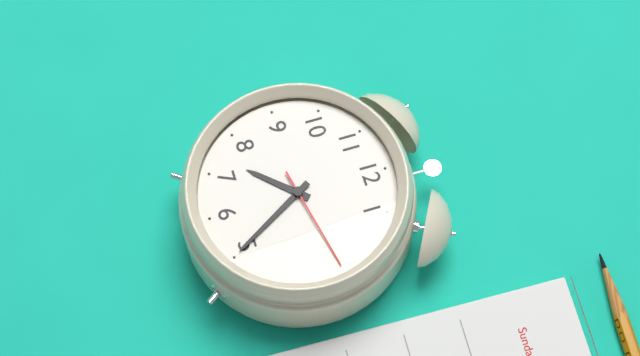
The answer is 7:25:13
